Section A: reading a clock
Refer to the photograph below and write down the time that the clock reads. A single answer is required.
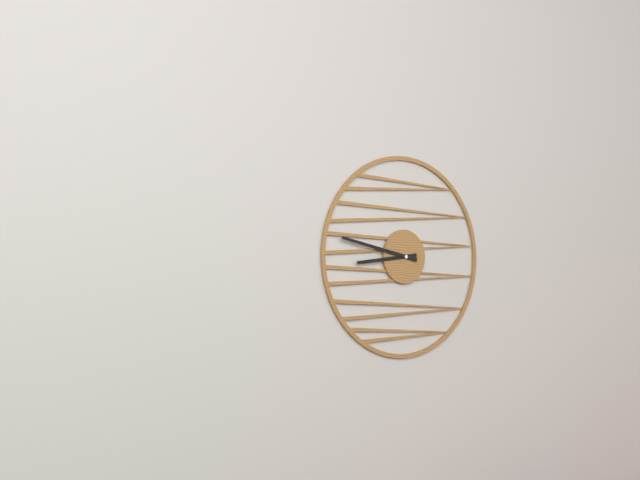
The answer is 8:47
